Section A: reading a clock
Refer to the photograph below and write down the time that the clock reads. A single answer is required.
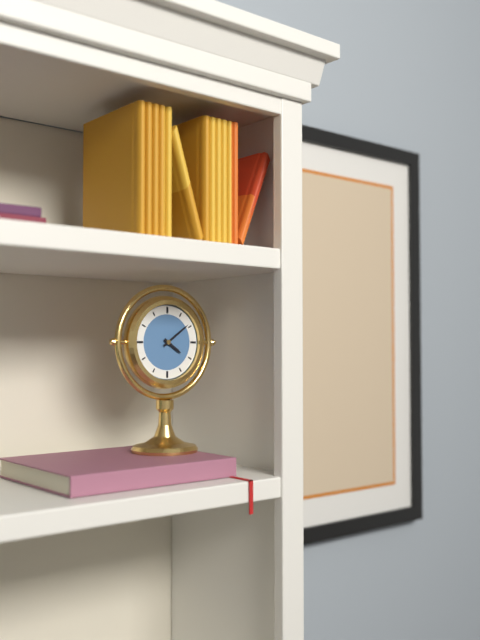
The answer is 4:09
